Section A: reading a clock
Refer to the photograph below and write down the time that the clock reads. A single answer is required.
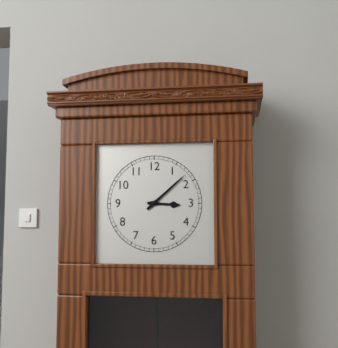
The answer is 3:08
